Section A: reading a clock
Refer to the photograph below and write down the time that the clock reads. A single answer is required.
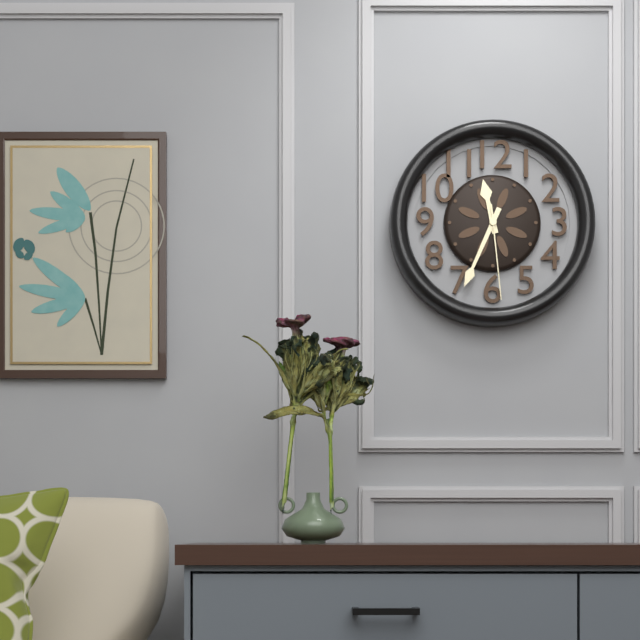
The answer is 11:34:29
